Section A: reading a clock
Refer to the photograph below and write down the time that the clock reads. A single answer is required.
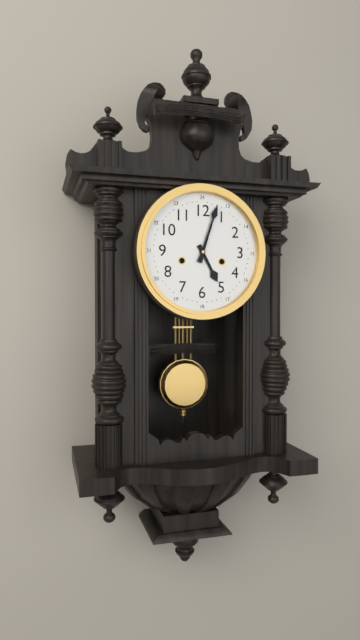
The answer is 5:03
